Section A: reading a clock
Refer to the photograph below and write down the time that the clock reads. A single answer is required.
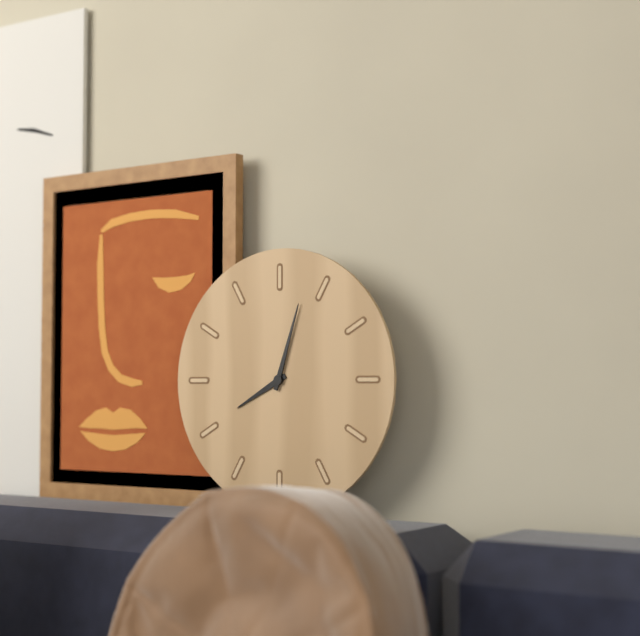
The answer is 8:03
